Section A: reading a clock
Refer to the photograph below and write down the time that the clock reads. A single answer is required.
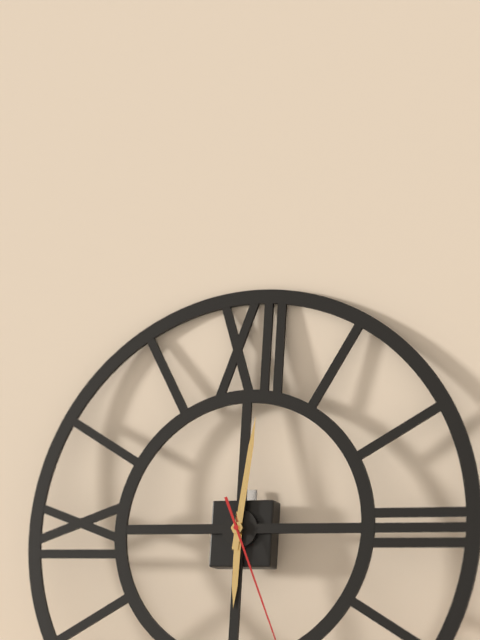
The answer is 6:01:26
